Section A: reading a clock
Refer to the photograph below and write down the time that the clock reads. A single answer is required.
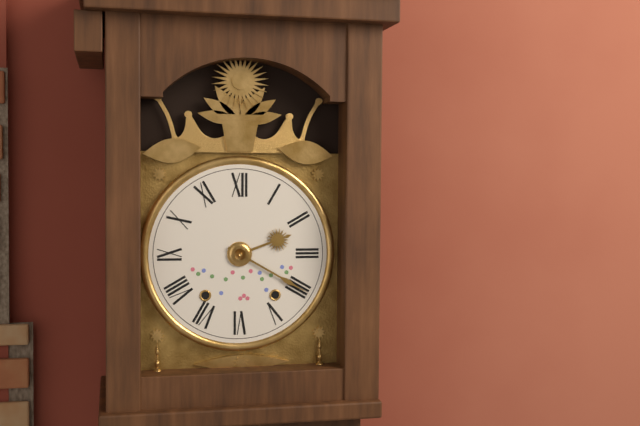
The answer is 2:20
